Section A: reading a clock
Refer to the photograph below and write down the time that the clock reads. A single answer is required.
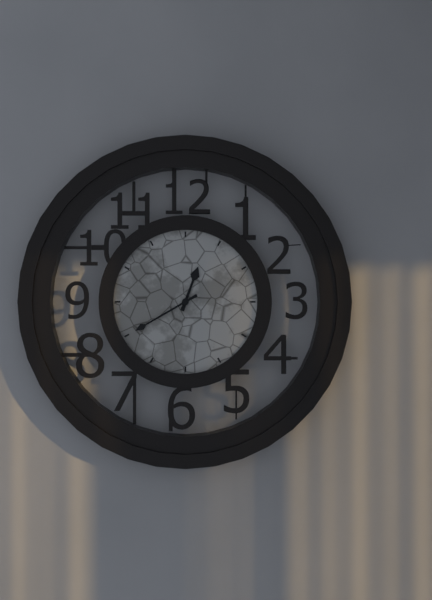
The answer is 12:40
